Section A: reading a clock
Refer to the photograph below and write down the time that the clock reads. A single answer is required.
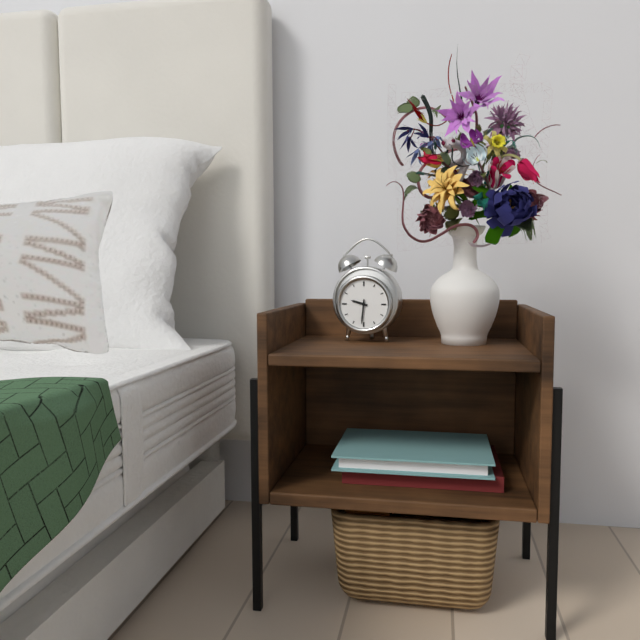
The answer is 9:31
